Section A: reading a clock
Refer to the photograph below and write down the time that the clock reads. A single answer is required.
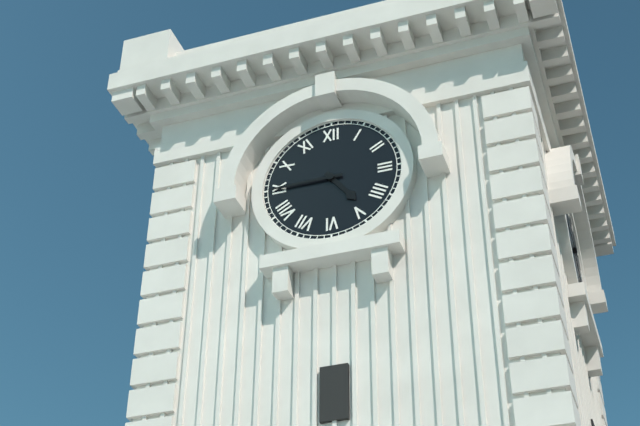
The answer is 4:45
